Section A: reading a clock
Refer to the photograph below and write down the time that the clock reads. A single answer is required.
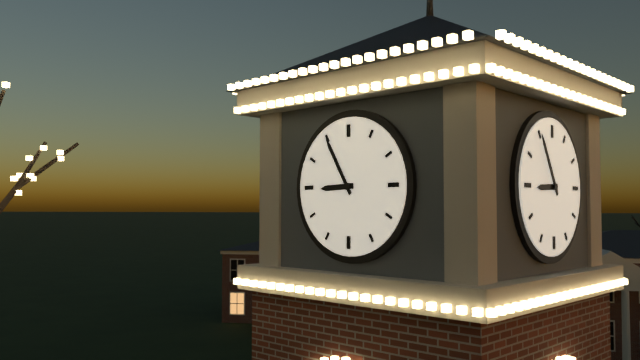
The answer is 8:55
